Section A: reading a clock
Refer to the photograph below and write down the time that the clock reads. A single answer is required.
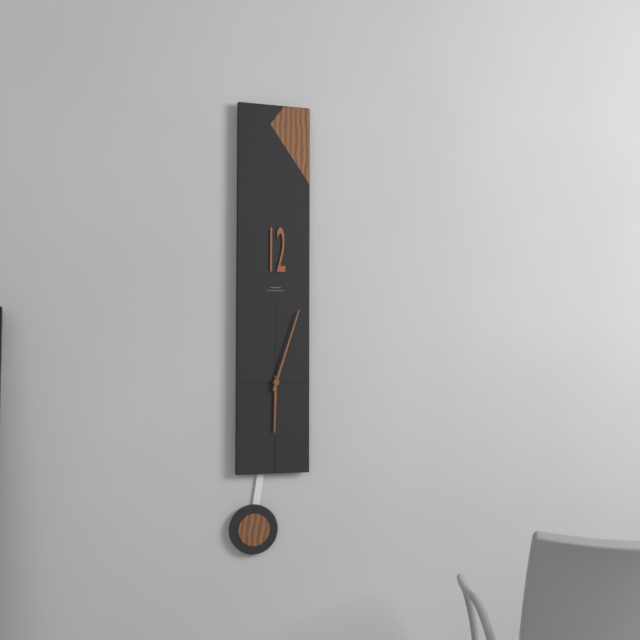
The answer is 6:03
